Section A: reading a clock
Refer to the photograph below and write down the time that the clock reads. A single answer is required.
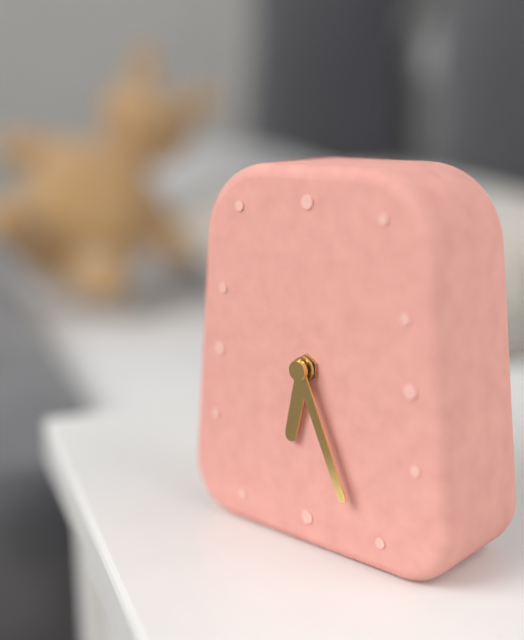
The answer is 6:26
